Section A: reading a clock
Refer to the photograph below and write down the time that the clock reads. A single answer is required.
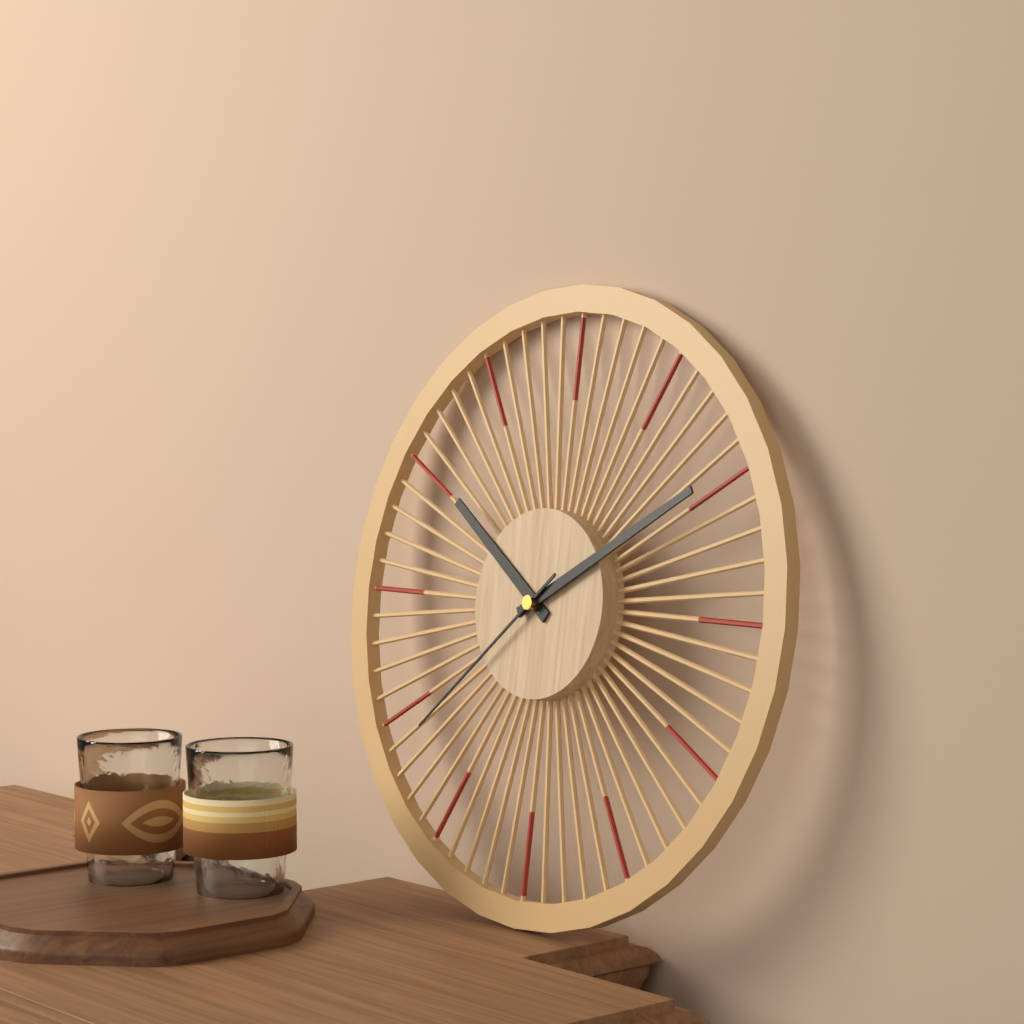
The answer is 10:10:38
